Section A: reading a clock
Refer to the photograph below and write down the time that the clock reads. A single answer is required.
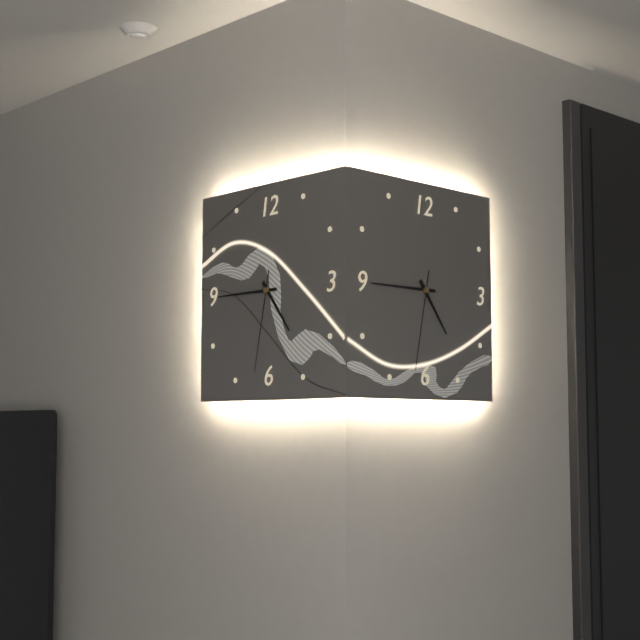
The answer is 4:45:32
